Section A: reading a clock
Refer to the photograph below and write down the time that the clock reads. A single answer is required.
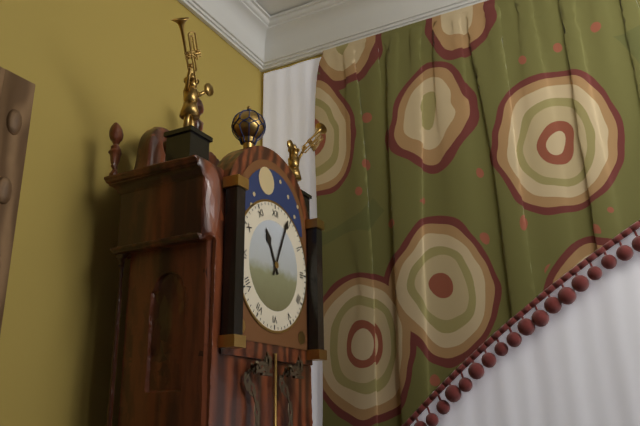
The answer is 11:04
